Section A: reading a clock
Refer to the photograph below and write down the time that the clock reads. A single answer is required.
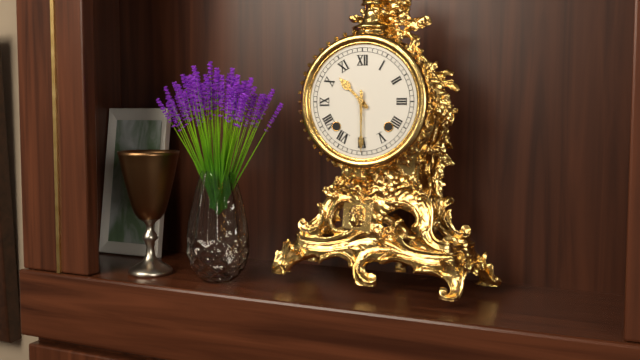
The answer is 10:30
